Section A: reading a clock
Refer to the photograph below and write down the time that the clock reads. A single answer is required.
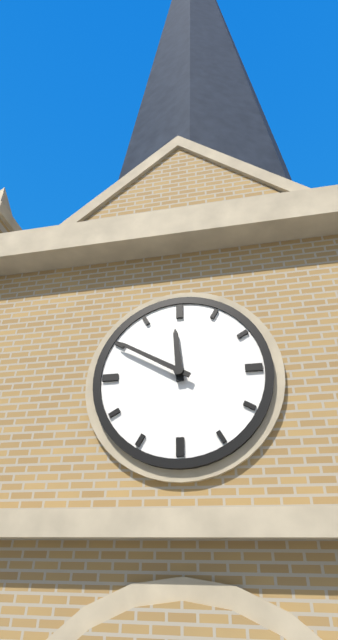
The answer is 11:50
